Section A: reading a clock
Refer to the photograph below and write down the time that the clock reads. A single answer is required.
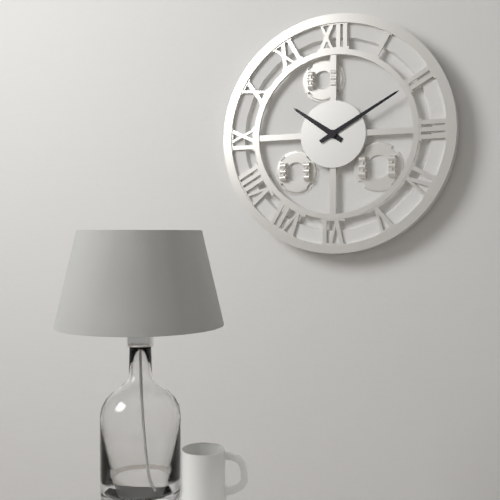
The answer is 10:10
